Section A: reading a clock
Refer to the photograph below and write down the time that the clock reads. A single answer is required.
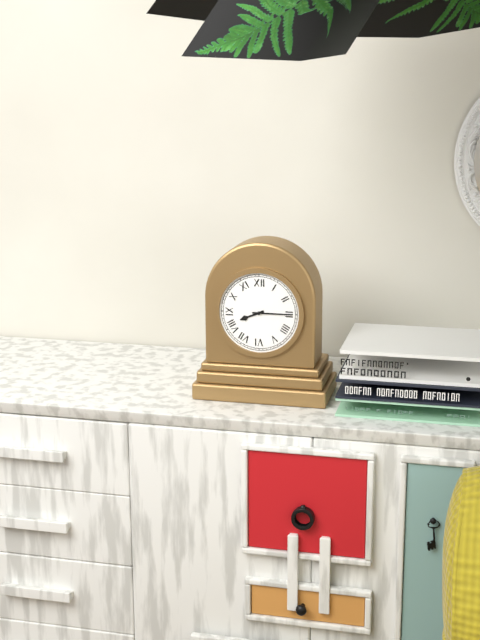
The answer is 8:15
